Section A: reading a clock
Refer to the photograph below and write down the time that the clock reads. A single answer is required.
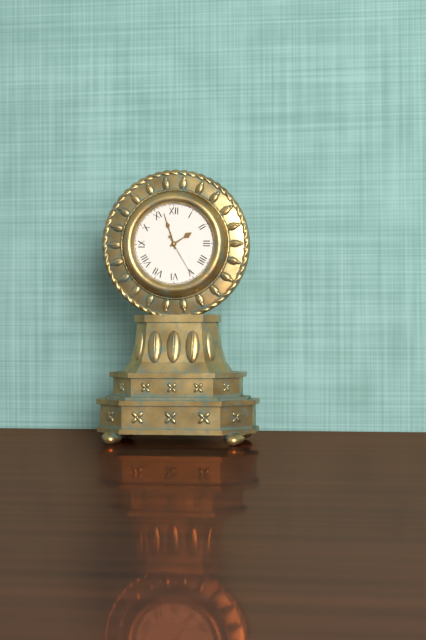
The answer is 1:57
